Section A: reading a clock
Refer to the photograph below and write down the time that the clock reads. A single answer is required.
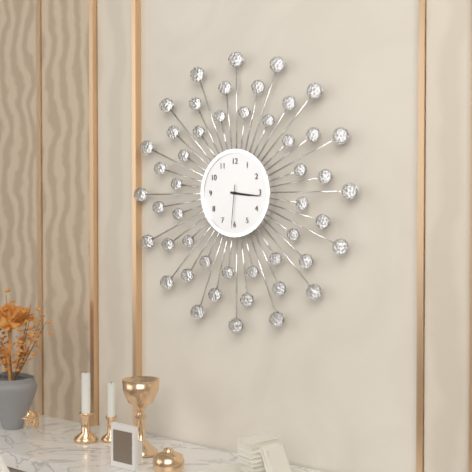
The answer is 3:16
